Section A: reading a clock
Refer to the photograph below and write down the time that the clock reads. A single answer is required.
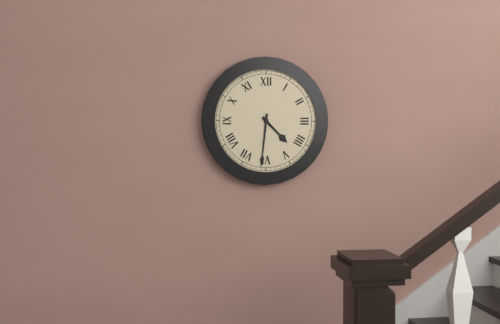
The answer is 4:31
